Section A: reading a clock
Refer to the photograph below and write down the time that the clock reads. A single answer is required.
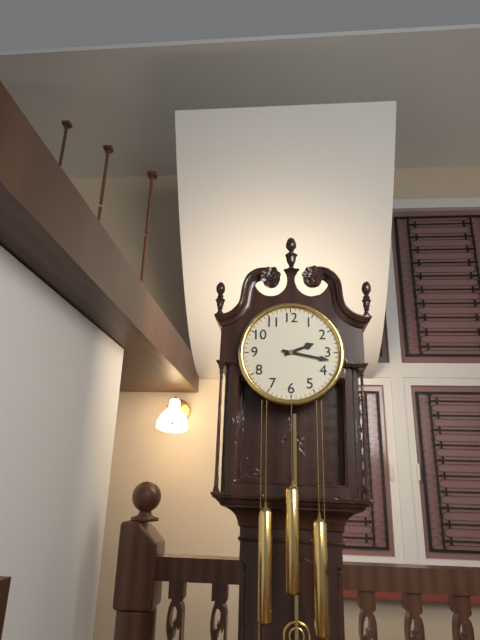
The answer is 2:17
